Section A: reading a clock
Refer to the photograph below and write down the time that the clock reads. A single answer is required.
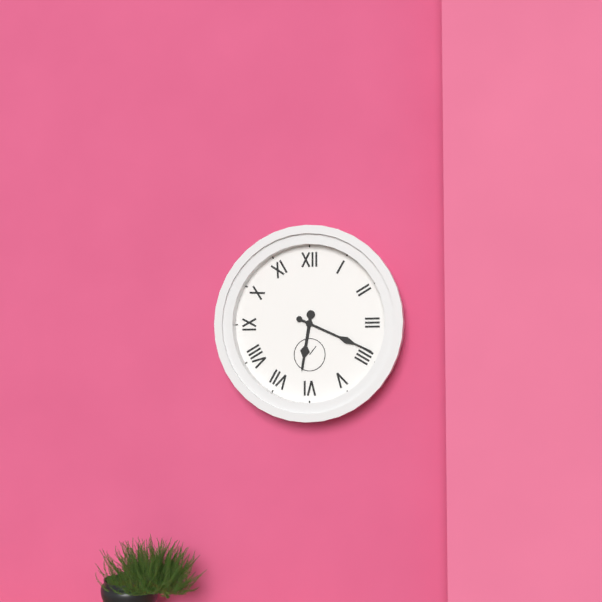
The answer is 6:19
